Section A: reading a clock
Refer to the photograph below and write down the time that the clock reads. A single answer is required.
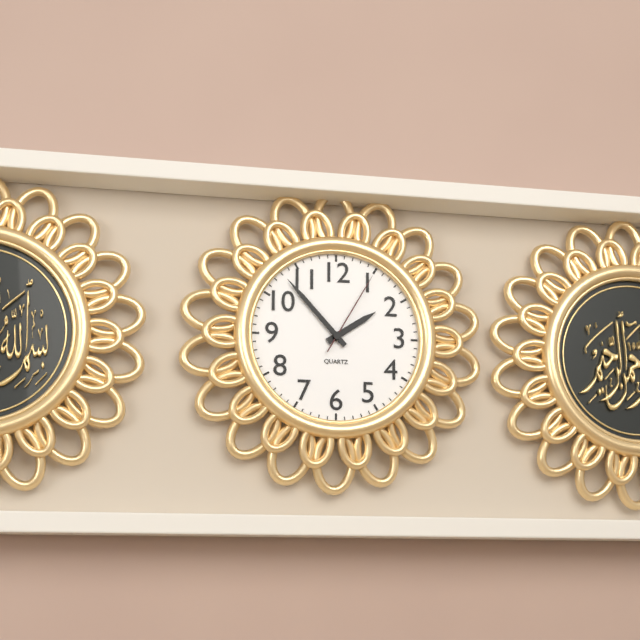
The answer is 1:53:05
